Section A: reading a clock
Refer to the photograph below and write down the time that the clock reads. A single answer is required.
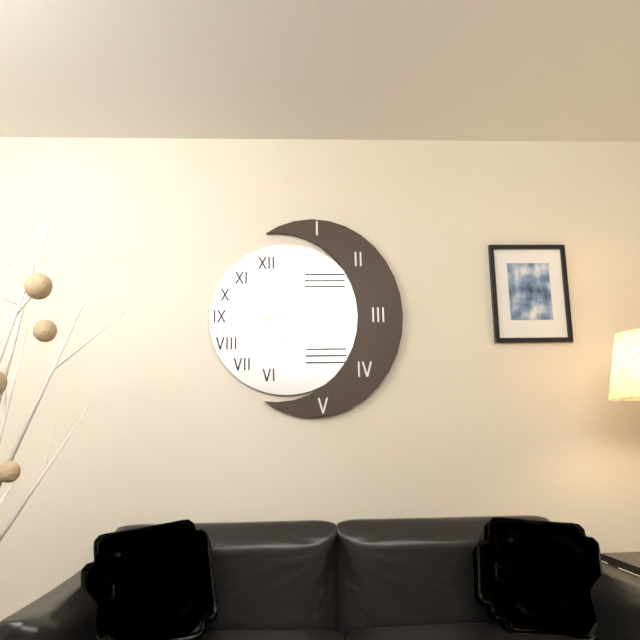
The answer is 5:02:42
